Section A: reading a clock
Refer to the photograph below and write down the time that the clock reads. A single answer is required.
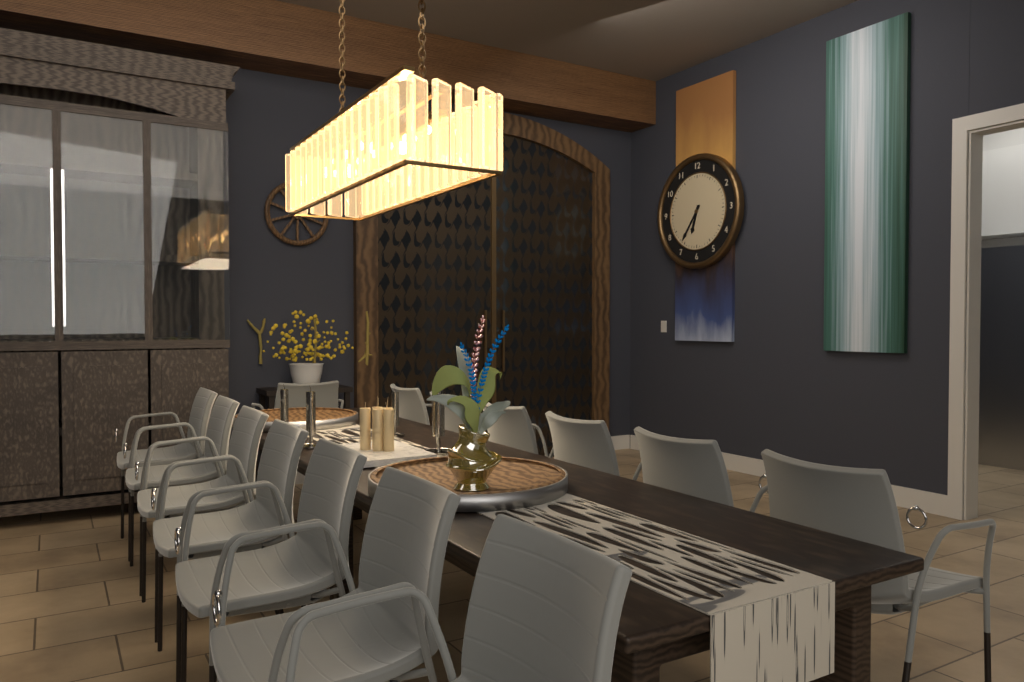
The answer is 6:36
